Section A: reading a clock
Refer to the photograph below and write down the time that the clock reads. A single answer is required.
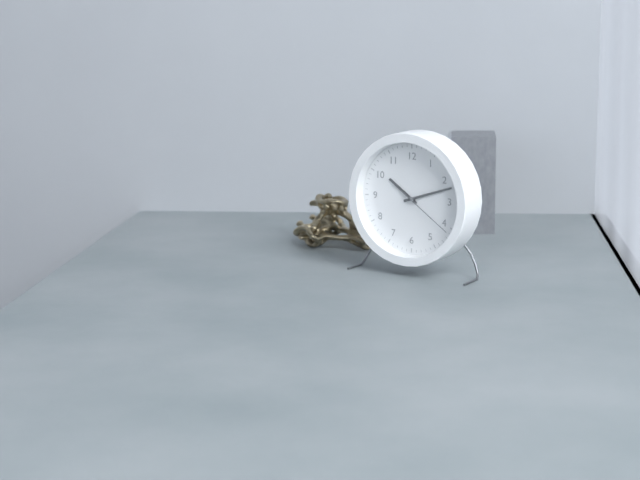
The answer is 10:12:21
